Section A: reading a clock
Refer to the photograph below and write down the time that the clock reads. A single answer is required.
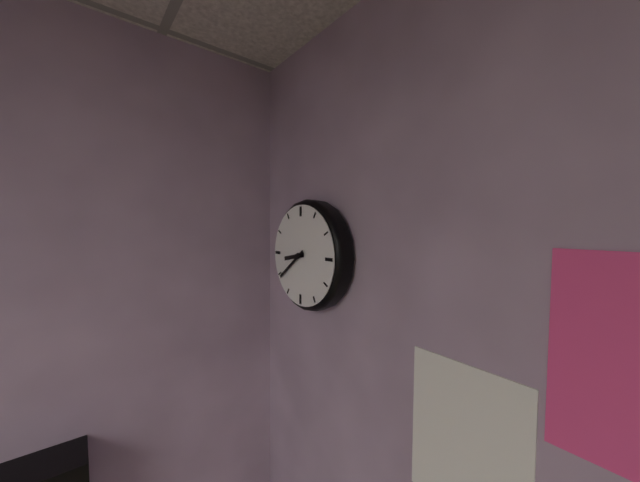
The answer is 8:39
